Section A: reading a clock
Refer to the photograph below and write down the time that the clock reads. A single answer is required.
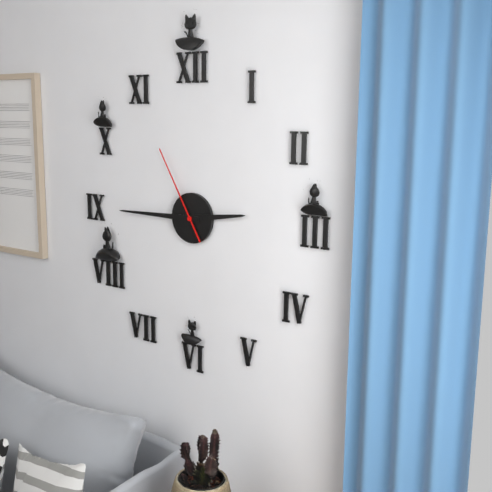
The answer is 2:45:55
